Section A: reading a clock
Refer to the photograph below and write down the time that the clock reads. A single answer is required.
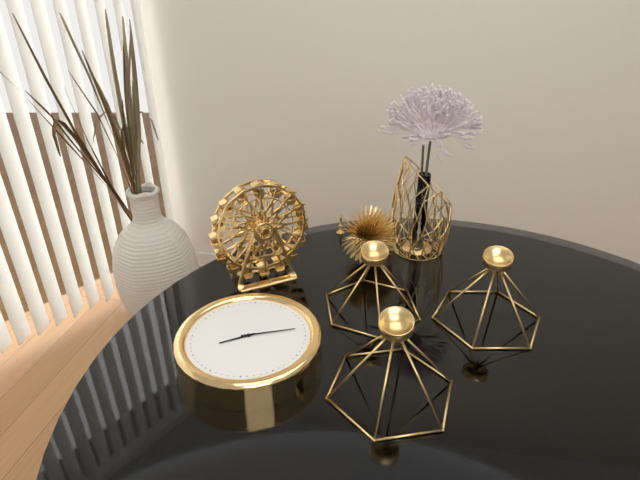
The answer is 8:13
